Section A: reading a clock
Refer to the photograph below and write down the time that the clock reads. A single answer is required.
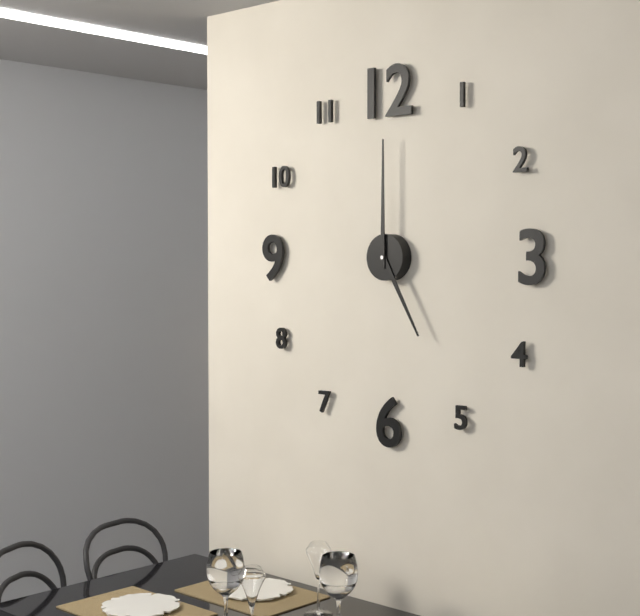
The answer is 5:00
